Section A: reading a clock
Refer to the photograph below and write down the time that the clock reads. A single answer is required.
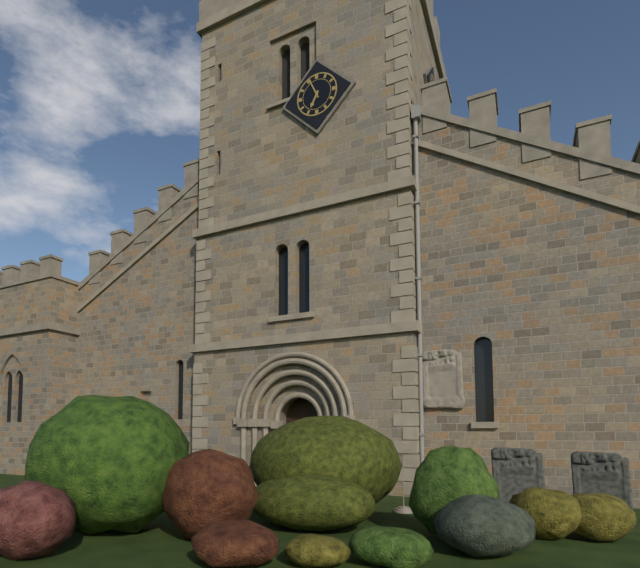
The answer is 6:56
